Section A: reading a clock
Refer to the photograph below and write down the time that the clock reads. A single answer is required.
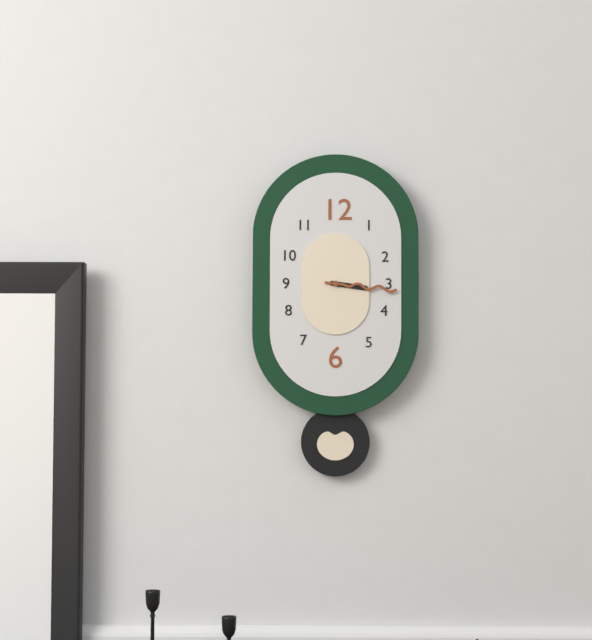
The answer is 3:16
